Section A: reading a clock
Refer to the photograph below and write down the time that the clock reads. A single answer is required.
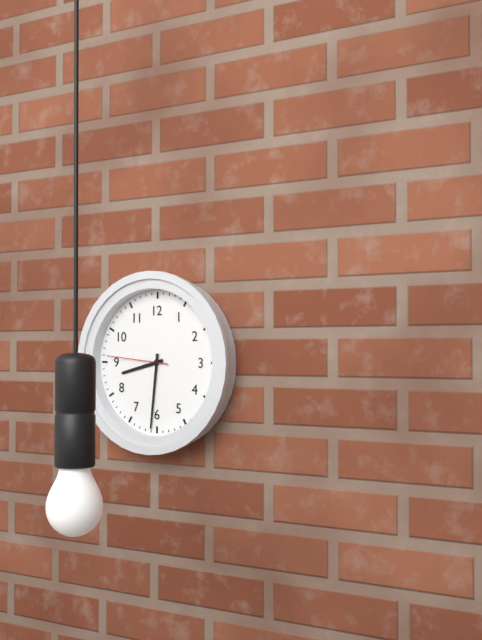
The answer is 8:31:46
